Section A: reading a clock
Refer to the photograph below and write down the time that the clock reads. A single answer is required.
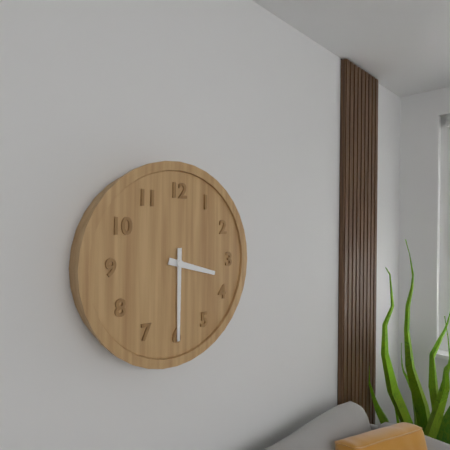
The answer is 3:30
